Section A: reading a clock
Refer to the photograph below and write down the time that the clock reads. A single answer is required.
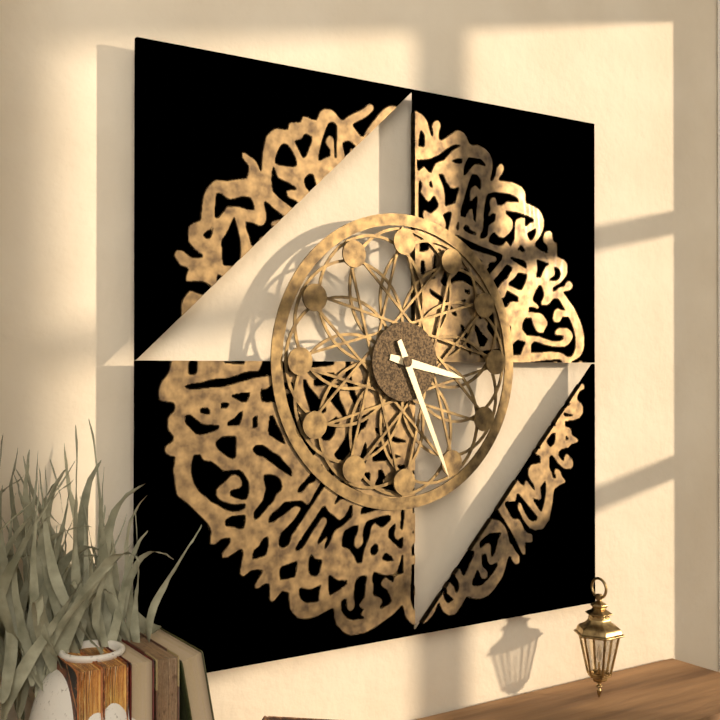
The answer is 3:26
